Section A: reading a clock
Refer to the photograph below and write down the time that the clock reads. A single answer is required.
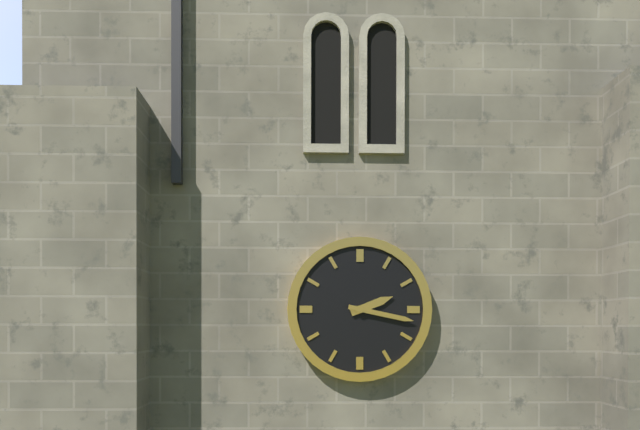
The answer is 2:17
